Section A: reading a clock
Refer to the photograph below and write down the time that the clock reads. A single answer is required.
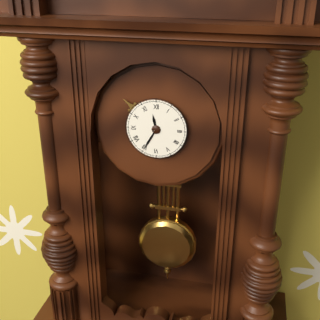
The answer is 11:35
